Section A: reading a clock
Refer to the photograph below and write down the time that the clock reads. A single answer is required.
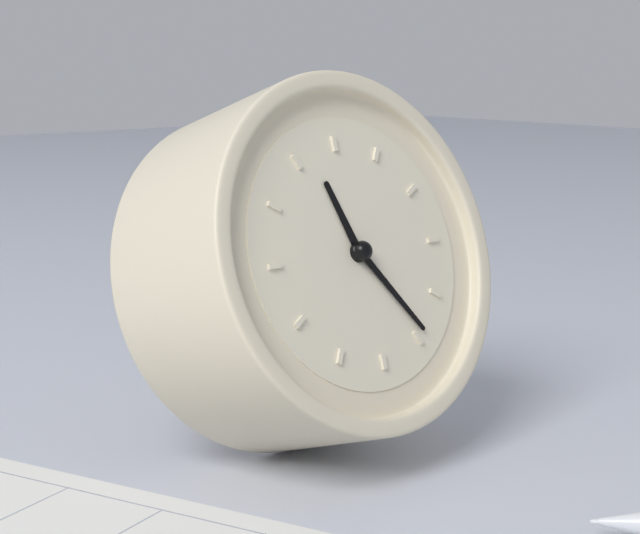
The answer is 11:24
